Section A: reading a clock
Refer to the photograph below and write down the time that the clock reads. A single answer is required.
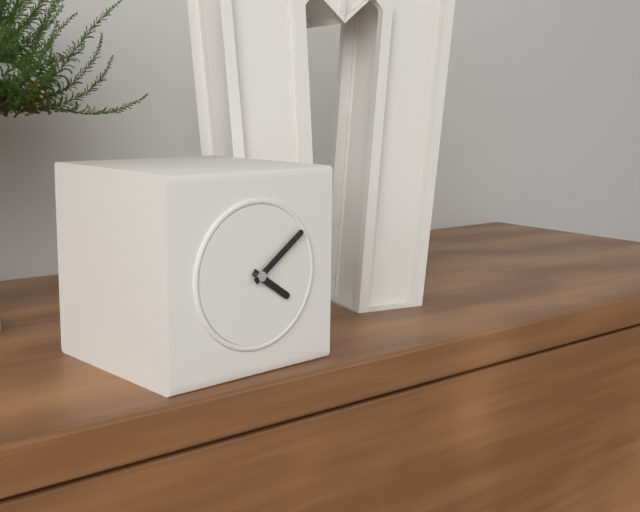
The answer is 4:09
